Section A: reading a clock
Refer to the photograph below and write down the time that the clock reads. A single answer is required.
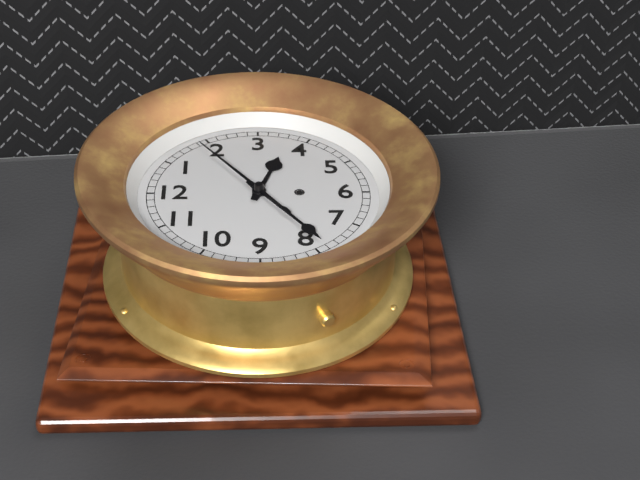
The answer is 3:39:09
